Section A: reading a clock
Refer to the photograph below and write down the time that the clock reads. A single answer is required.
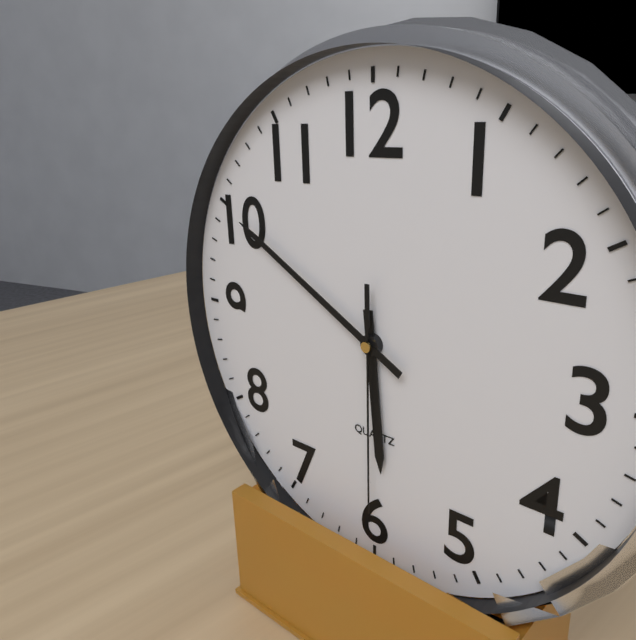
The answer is 5:50:30
